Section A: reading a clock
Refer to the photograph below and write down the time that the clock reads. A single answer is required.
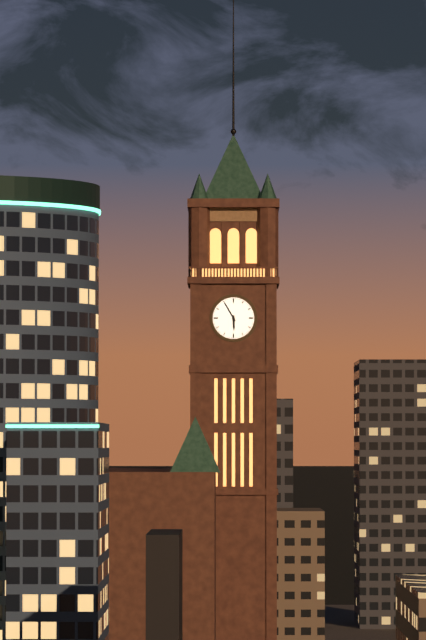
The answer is 5:55
